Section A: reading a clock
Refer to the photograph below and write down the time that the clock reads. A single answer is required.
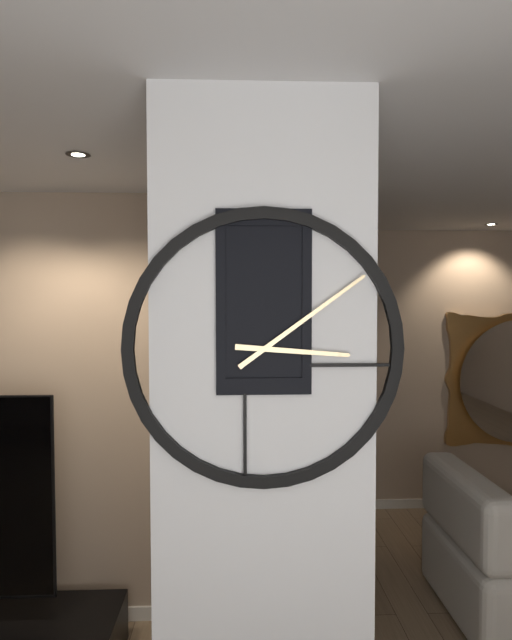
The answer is 3:09
